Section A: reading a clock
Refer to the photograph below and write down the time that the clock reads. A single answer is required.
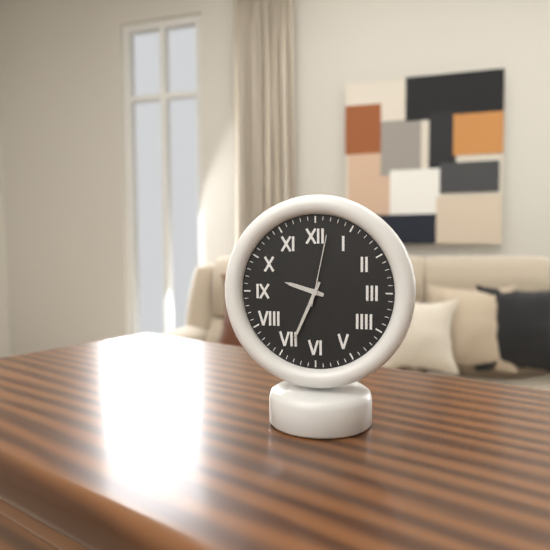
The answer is 9:34:02
